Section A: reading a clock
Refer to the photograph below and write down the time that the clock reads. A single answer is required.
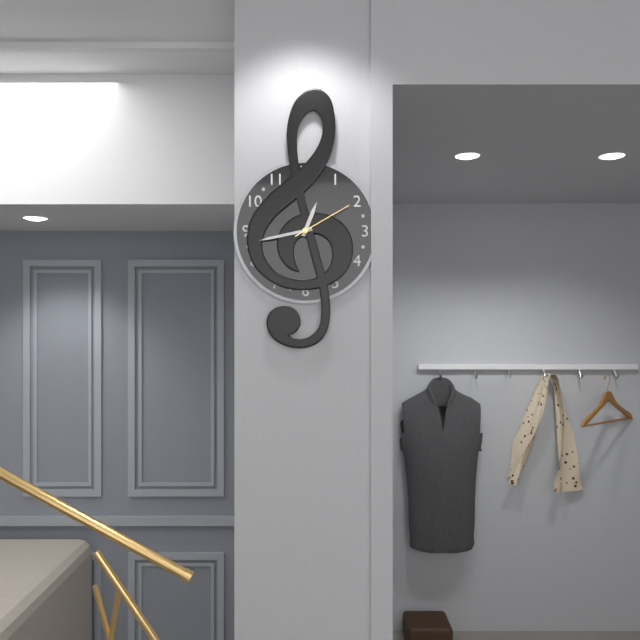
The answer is 12:43:10
